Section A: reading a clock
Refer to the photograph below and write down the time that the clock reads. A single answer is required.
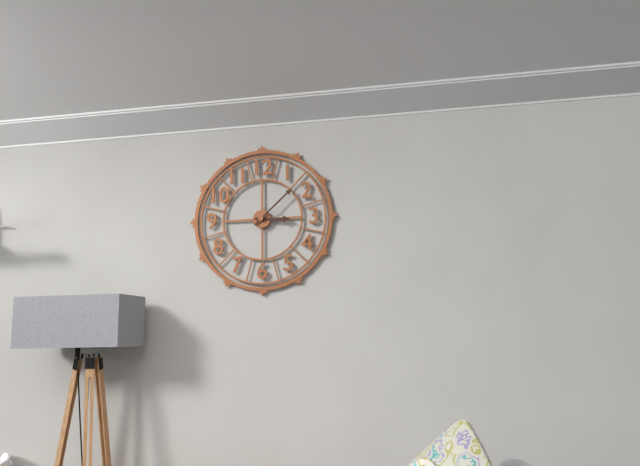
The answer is 3:08
